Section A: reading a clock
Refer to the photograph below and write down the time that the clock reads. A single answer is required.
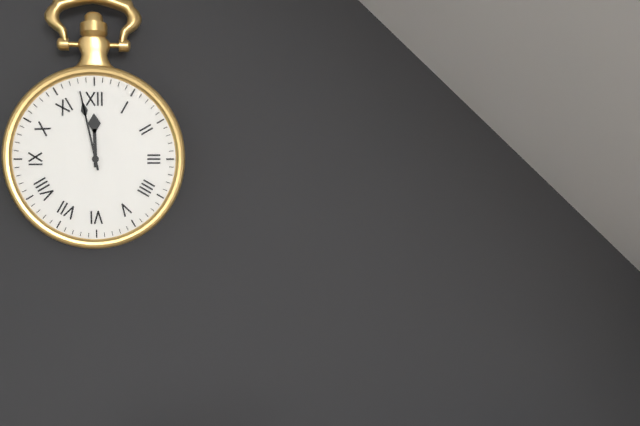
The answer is 11:58
